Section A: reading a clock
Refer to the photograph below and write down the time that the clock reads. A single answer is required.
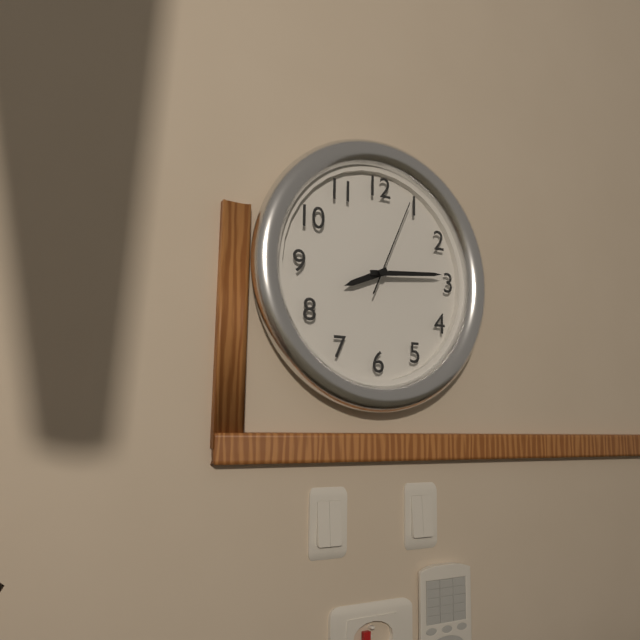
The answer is 8:14:04
